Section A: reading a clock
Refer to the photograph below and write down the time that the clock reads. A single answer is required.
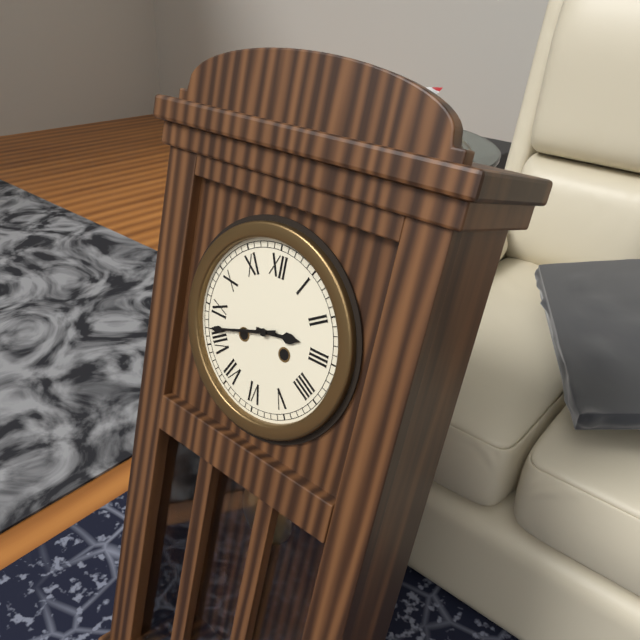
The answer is 2:42
